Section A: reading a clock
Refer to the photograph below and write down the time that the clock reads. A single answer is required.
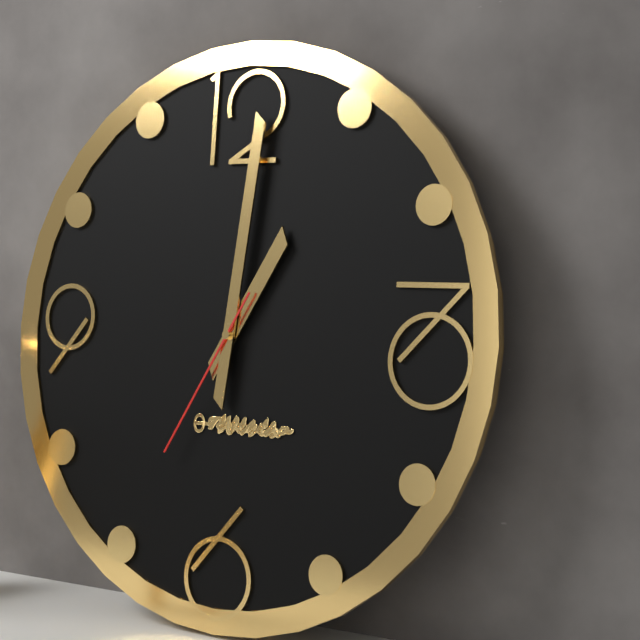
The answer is 1:01:35
